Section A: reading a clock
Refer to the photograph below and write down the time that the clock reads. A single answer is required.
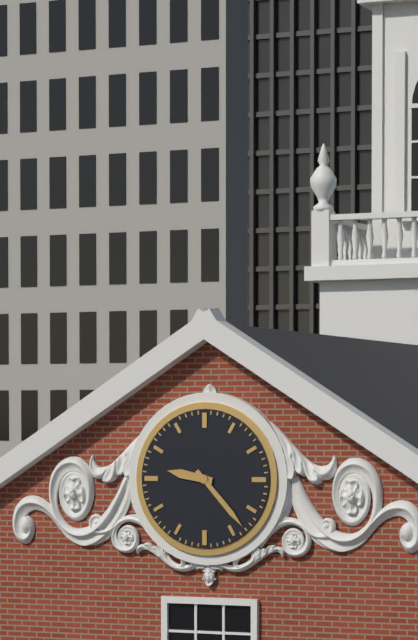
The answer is 9:23
